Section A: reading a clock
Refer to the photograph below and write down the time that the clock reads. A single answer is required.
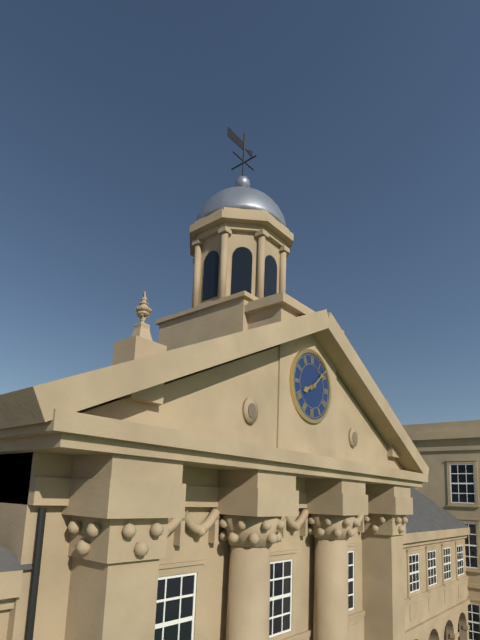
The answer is 8:08
